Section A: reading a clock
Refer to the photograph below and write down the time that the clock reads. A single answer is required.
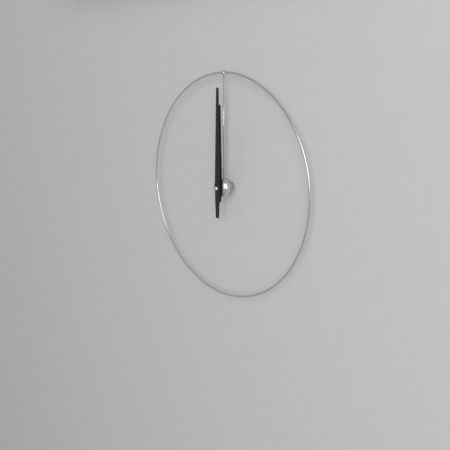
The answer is 12:00
